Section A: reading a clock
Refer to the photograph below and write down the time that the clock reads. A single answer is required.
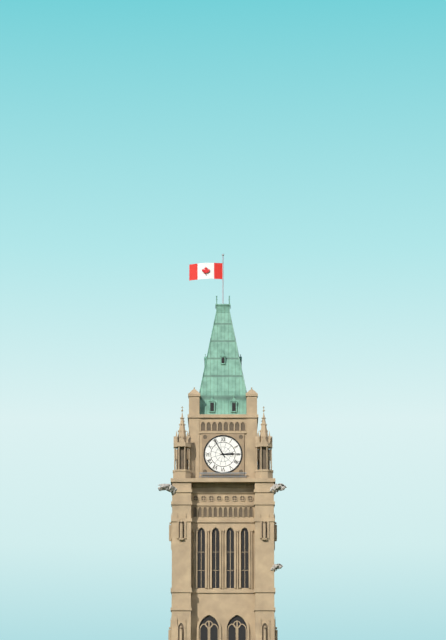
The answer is 2:55
